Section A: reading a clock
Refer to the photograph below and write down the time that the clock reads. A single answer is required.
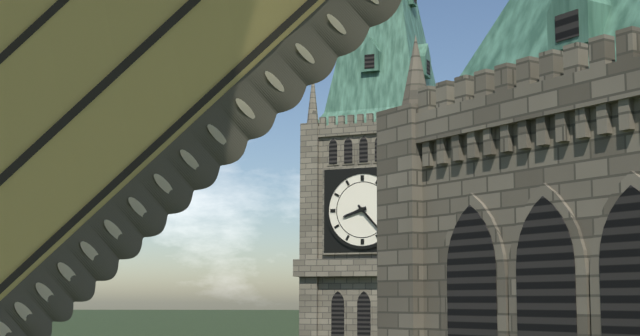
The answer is 8:23
